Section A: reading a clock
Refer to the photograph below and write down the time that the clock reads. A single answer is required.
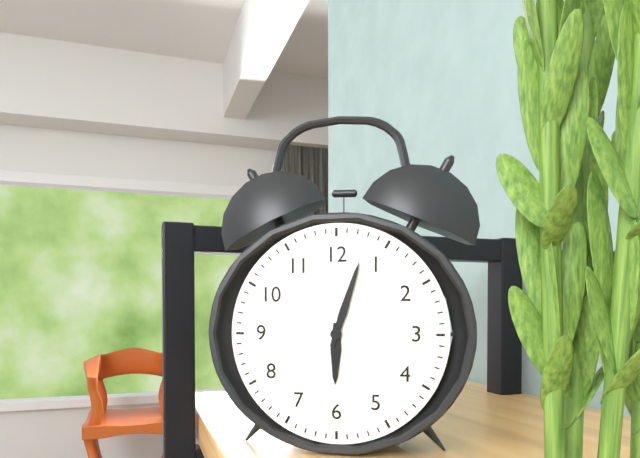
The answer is 6:03
